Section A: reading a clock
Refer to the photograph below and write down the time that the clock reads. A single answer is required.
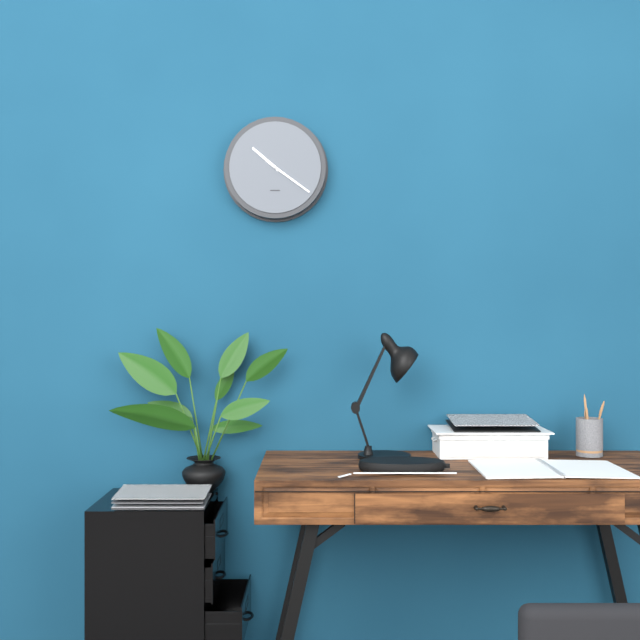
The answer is 10:21
